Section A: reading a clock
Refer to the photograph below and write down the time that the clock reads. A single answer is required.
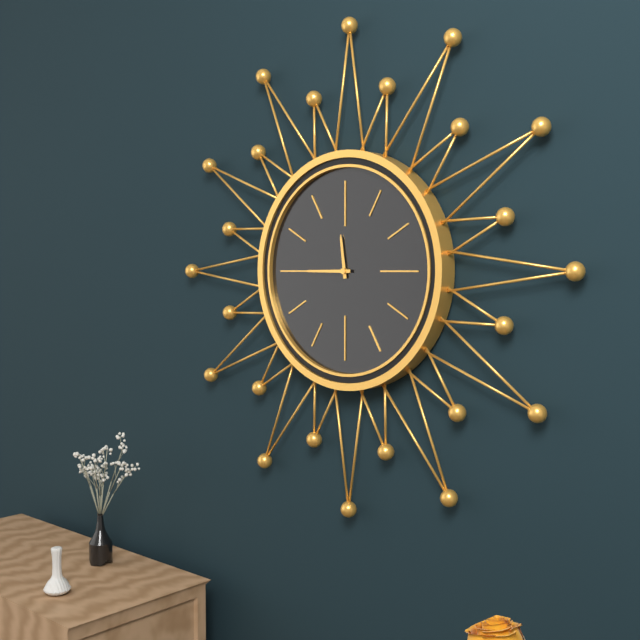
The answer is 11:45
